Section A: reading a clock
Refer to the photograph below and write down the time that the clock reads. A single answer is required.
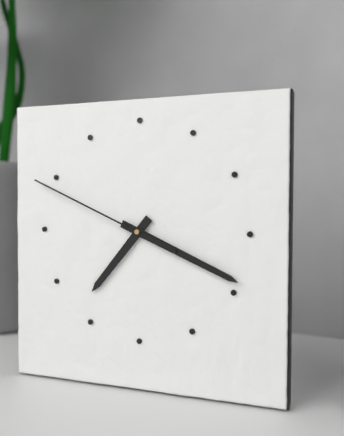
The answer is 7:19:49
